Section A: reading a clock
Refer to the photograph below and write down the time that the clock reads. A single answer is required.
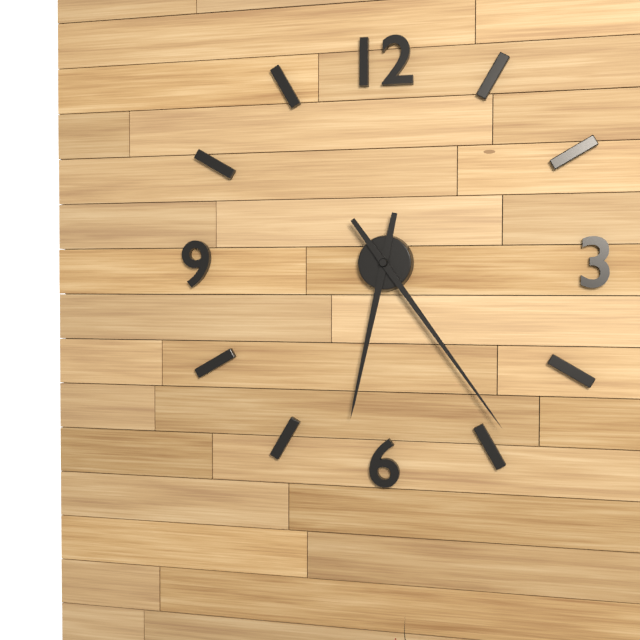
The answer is 6:24
